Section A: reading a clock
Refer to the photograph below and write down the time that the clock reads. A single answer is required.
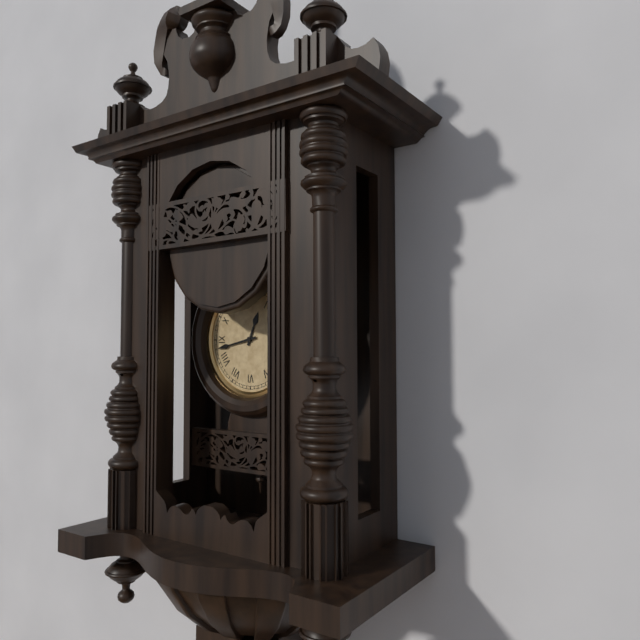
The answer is 12:43
